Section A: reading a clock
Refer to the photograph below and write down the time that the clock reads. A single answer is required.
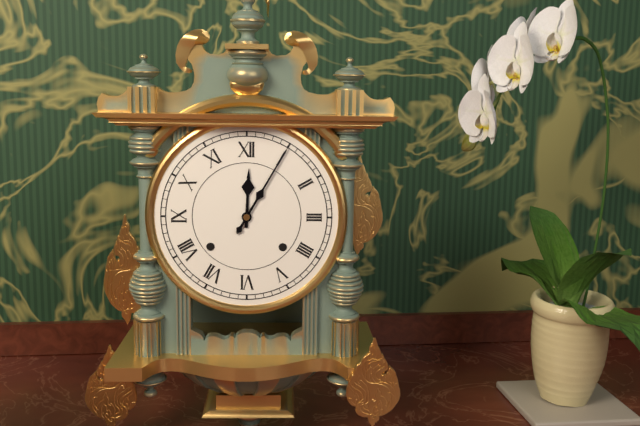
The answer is 12:05
